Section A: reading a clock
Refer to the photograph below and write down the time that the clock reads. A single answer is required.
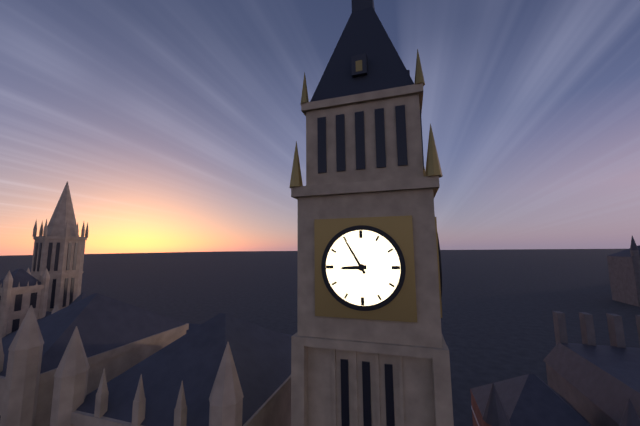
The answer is 8:55
